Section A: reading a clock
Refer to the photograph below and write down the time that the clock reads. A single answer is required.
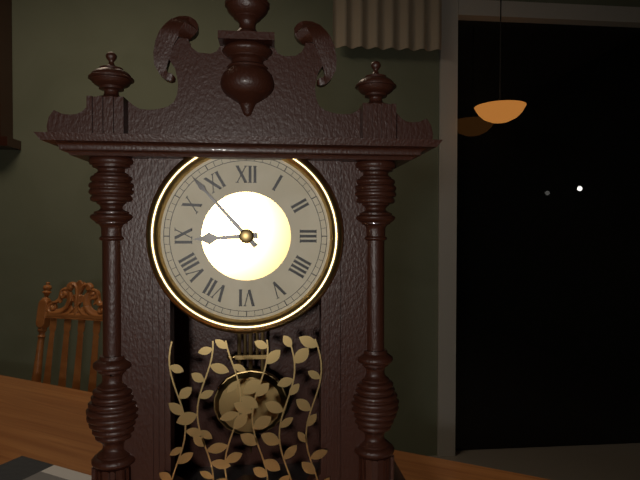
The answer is 8:53
